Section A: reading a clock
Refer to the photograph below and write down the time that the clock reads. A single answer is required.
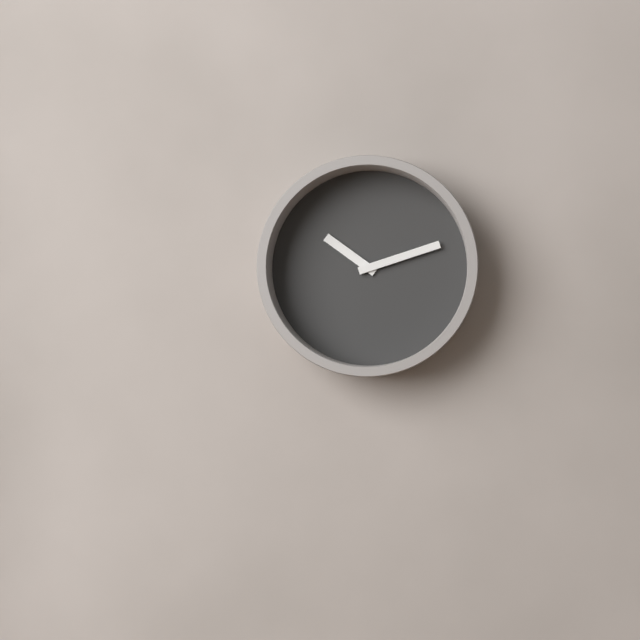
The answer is 10:12
